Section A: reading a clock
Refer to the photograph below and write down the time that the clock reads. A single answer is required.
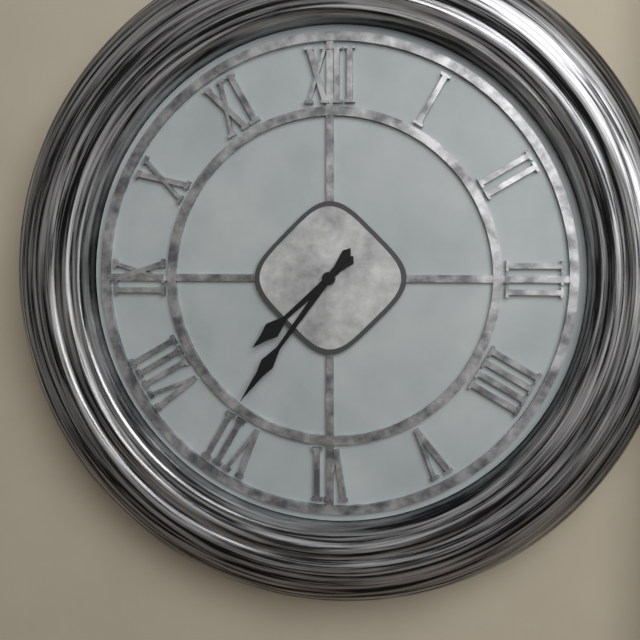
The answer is 7:36
